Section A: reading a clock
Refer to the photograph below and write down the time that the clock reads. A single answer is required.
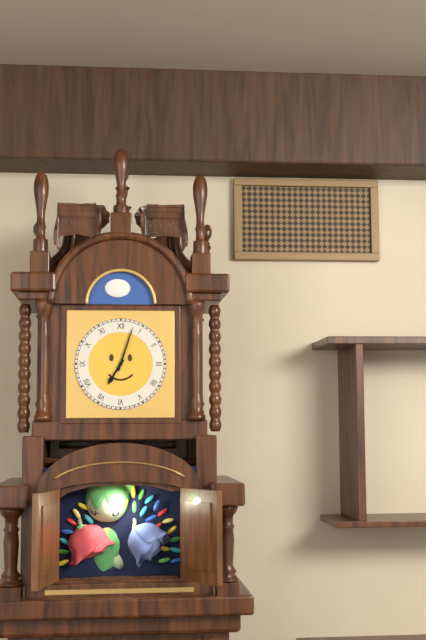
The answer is 7:03
